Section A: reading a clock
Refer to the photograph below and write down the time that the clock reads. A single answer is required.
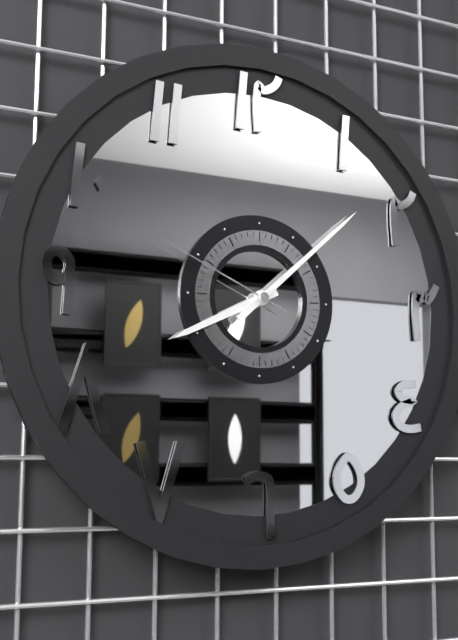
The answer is 8:08:49
